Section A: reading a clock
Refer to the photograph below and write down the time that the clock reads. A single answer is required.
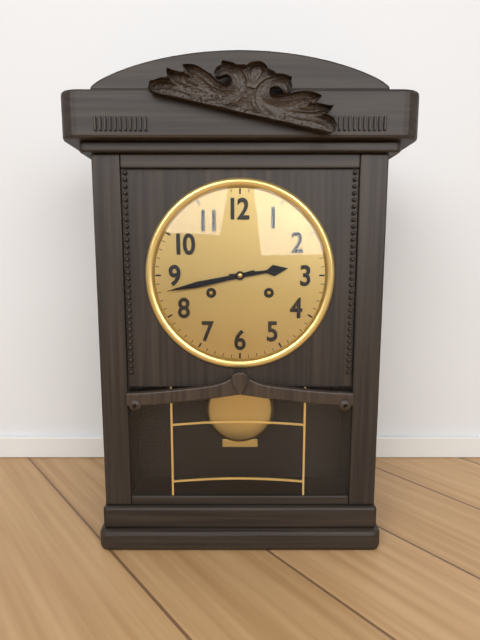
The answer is 2:43
